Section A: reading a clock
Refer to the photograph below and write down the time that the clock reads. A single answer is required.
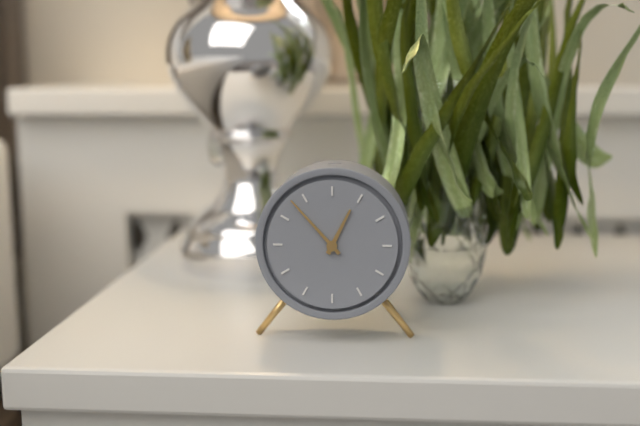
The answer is 12:53
